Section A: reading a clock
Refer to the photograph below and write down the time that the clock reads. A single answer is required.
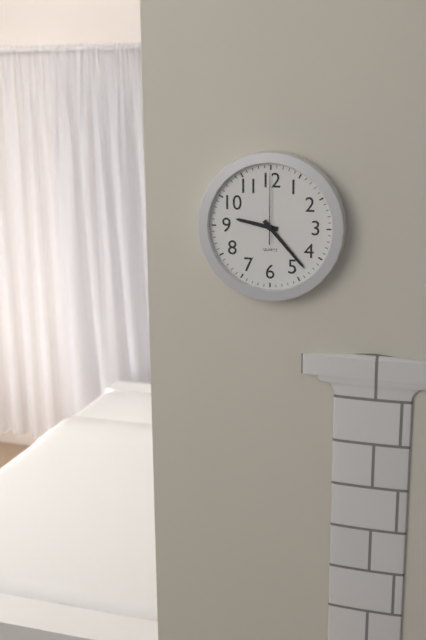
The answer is 9:23:00
